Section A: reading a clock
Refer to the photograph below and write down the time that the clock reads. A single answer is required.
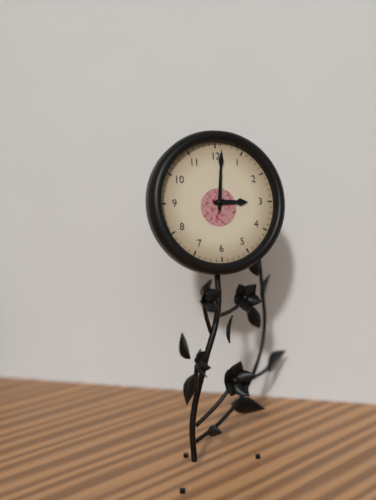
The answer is 3:01
